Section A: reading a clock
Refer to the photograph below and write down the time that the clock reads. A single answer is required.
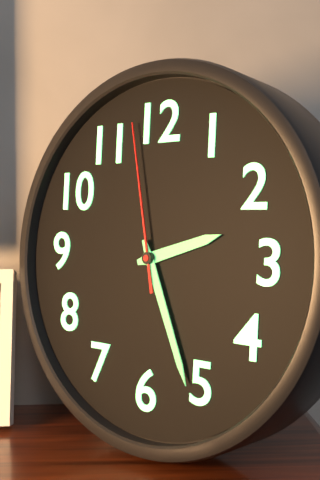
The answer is 2:26:58
